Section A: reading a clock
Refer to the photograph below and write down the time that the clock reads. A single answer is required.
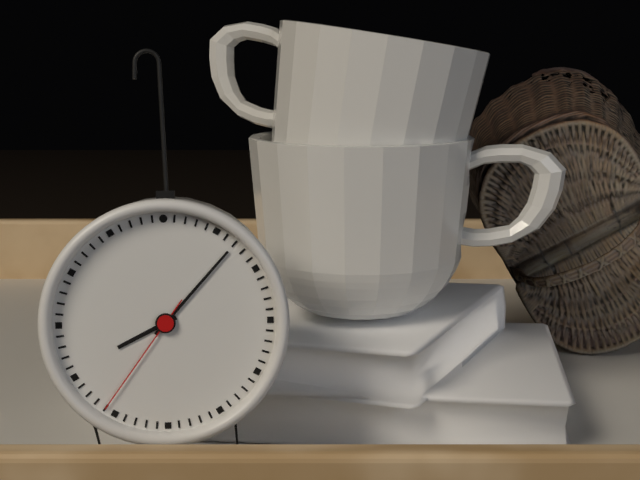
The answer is 8:07:36
